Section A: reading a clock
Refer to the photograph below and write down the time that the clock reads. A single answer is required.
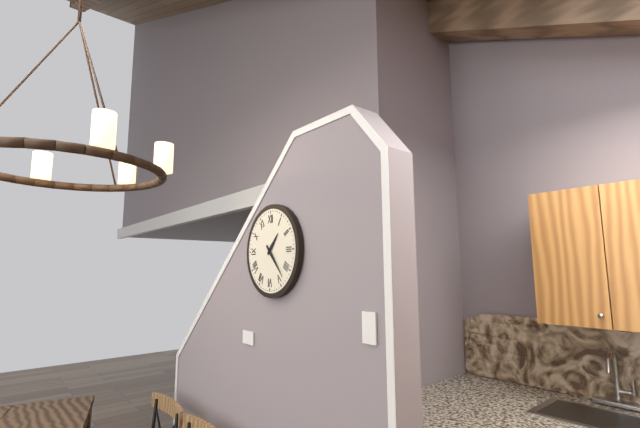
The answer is 1:23
